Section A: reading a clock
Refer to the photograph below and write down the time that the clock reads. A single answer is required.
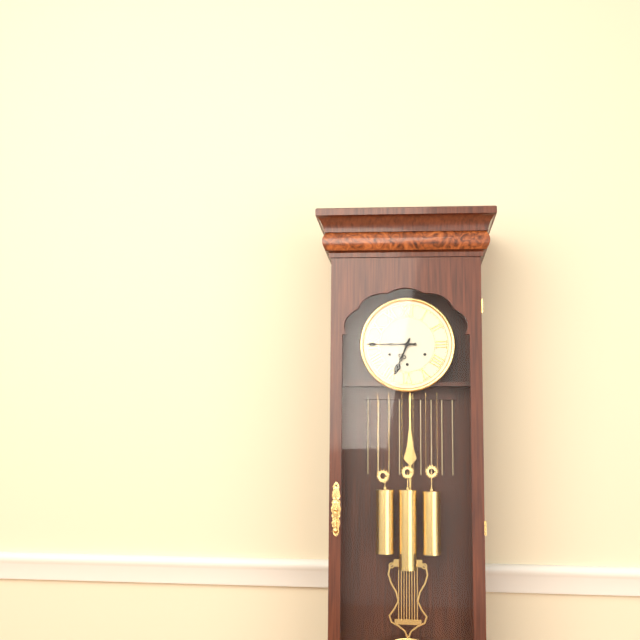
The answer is 6:45
